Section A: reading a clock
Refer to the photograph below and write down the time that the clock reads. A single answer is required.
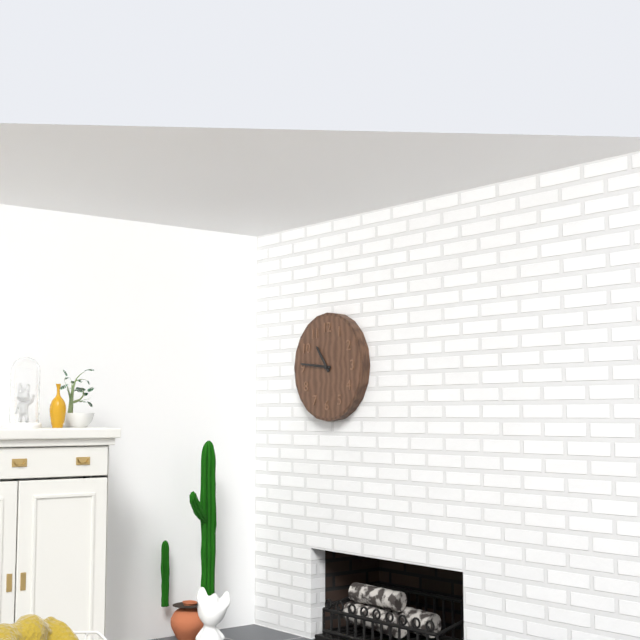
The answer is 10:46
